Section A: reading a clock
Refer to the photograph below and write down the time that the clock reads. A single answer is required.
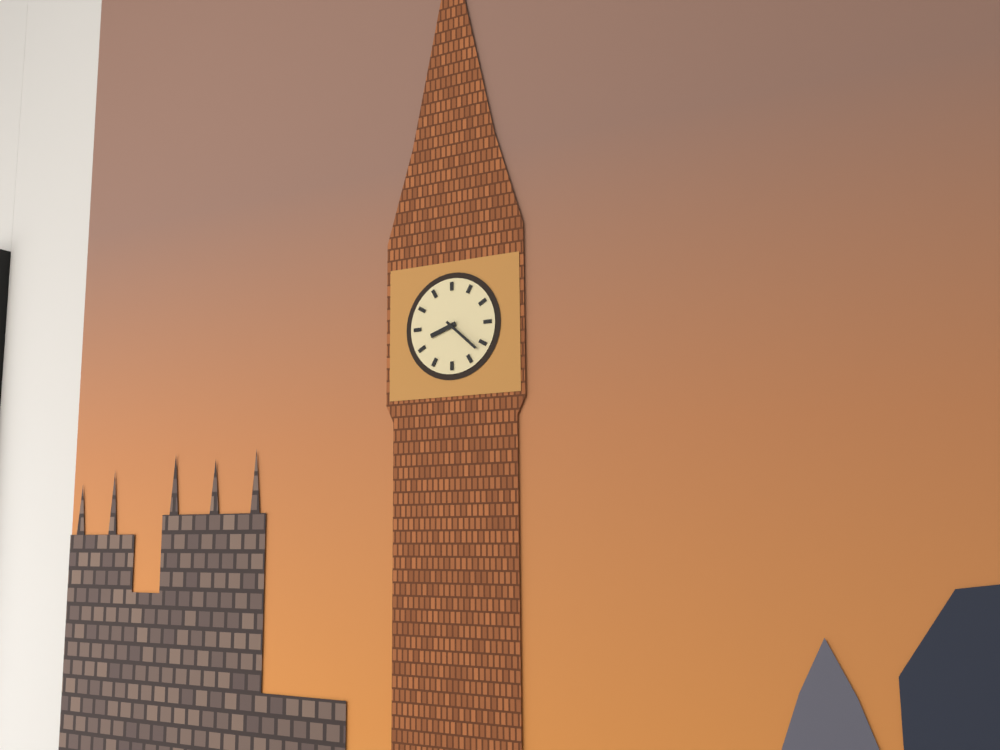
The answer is 8:22
